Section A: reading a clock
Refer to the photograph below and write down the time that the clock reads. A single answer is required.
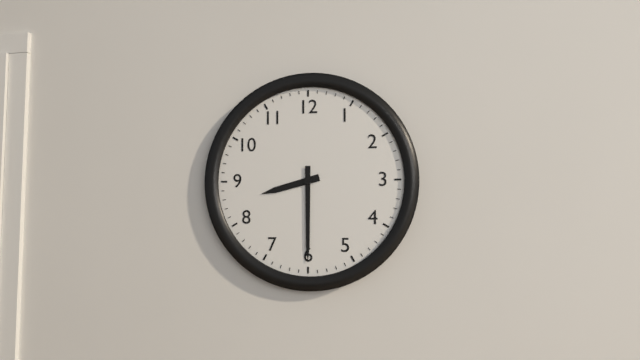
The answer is 8:30
